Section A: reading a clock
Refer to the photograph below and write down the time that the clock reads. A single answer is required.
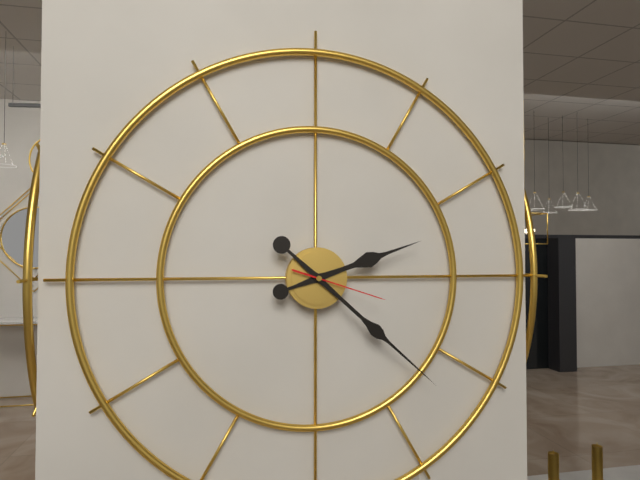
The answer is 2:22:18
